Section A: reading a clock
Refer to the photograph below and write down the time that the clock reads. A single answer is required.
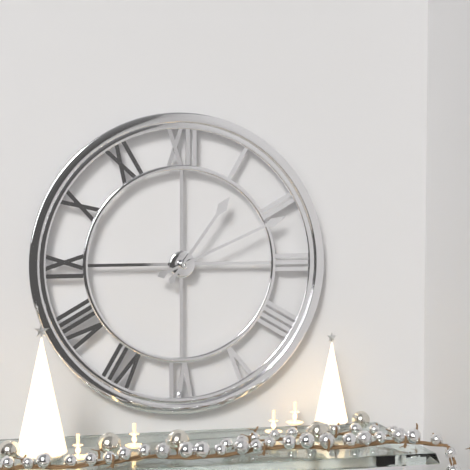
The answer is 1:11
